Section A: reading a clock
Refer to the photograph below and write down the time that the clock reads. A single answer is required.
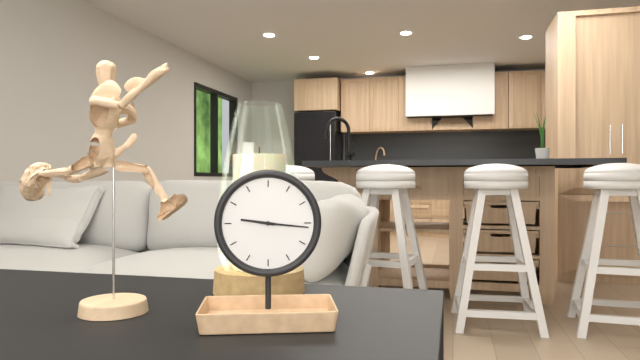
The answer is 9:16
